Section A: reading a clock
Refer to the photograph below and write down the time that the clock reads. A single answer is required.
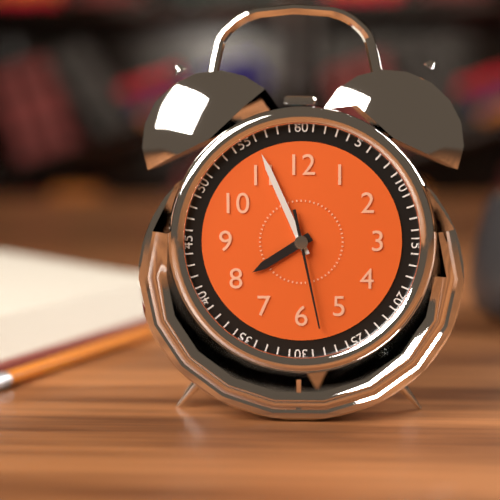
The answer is 7:56:28
